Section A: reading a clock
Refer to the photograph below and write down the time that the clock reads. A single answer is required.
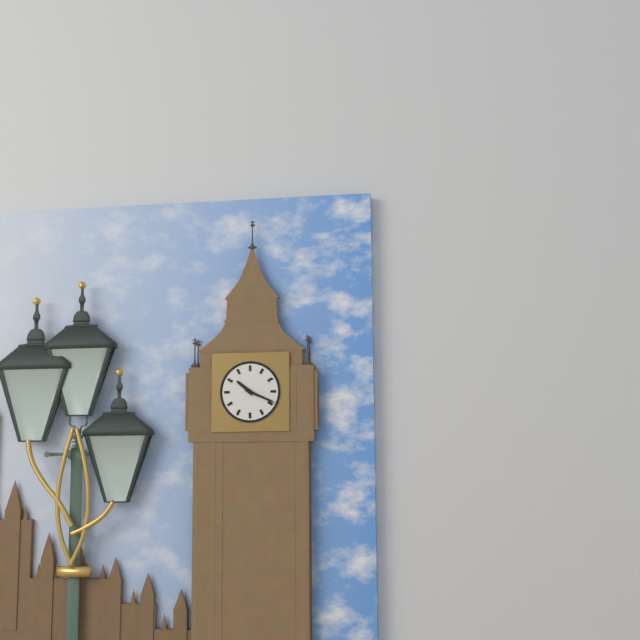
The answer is 10:19
